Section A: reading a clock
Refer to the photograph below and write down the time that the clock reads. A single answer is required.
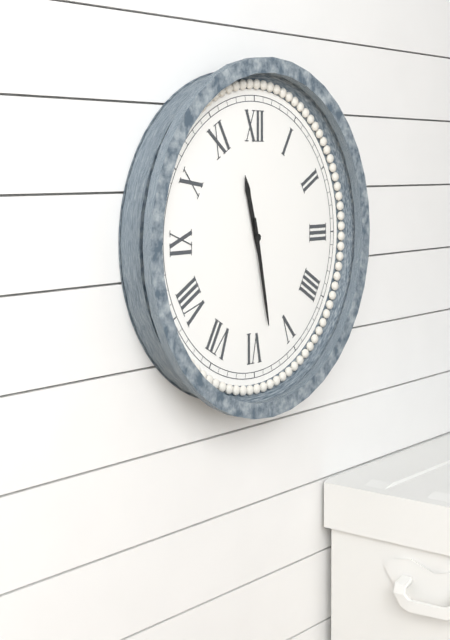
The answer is 11:28
